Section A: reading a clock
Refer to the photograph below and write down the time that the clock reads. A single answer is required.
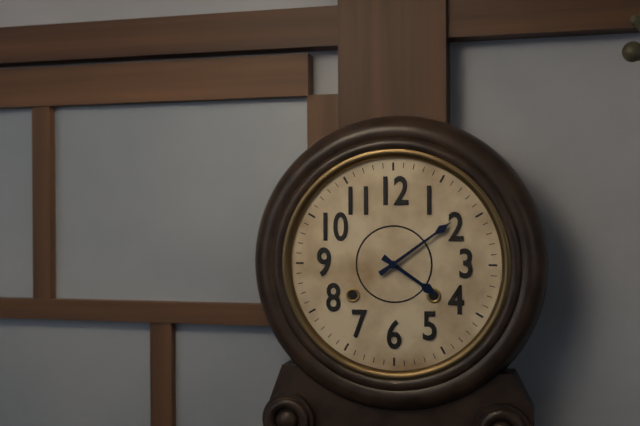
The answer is 4:09
